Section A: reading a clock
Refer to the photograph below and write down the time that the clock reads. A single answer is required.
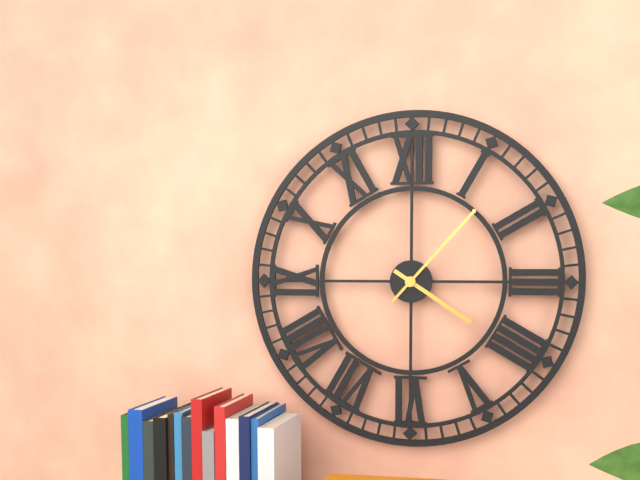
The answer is 4:07
